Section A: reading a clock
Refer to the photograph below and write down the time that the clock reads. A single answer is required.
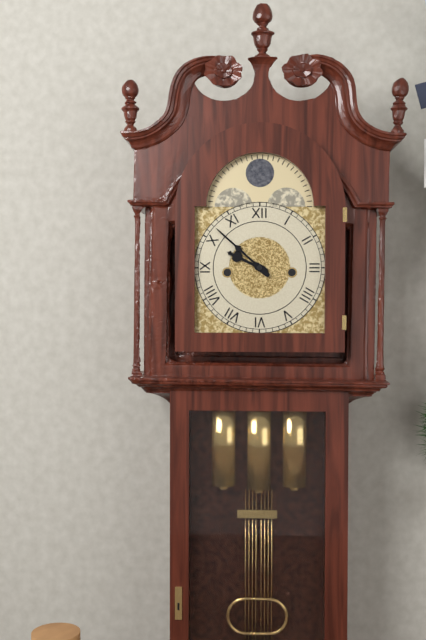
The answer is 9:52
